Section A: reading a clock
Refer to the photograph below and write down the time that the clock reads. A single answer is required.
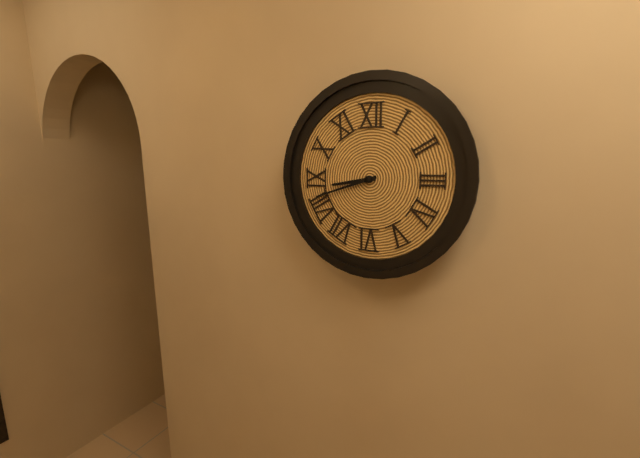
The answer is 8:42
